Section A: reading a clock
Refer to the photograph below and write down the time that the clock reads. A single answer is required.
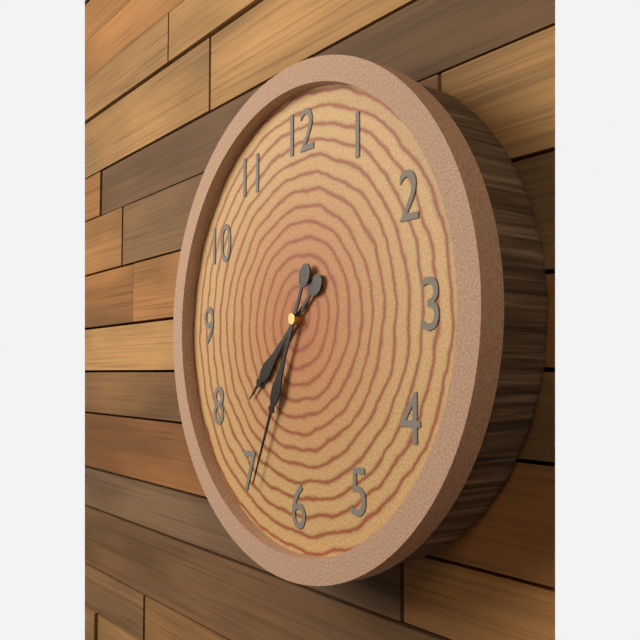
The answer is 7:34
